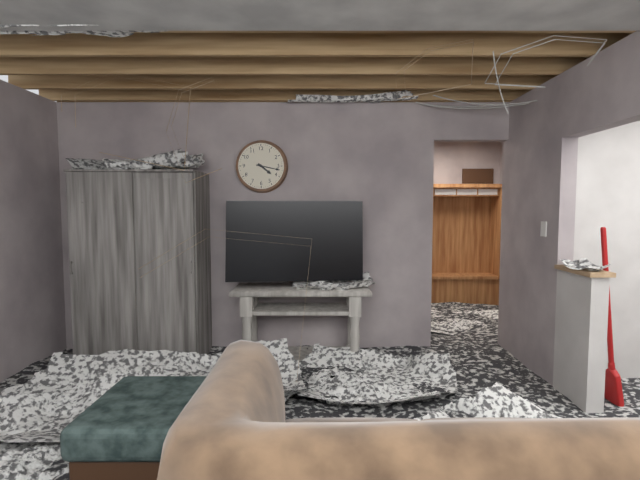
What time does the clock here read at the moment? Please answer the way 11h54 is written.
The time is 4h17
